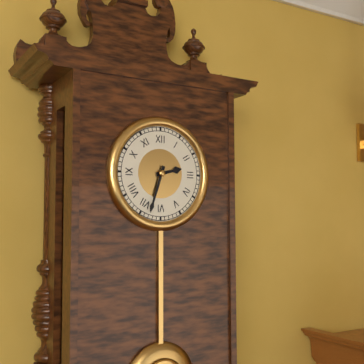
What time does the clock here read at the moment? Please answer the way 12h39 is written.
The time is 2h33
